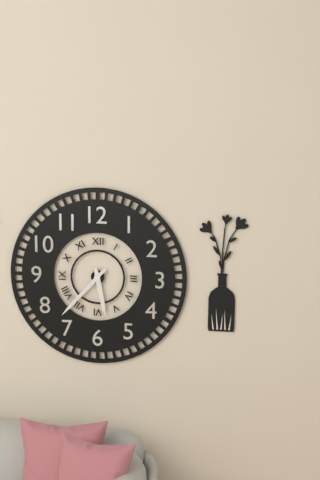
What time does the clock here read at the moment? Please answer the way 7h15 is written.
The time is 5h37
